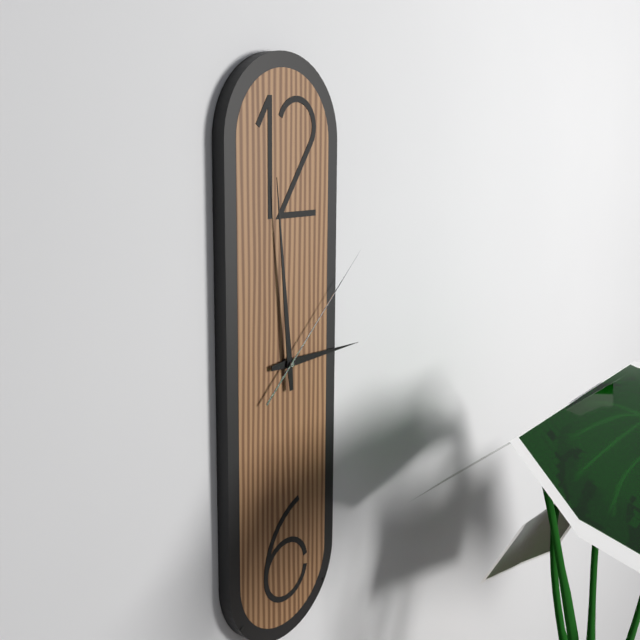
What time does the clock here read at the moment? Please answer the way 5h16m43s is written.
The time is 2h59m08s
